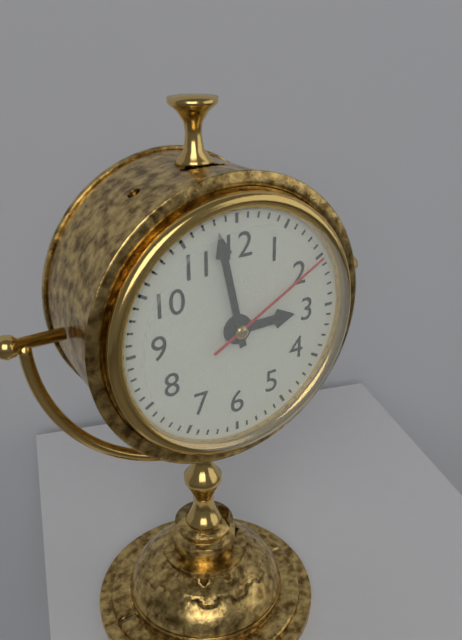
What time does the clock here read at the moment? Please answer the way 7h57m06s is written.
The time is 2h58m10s
